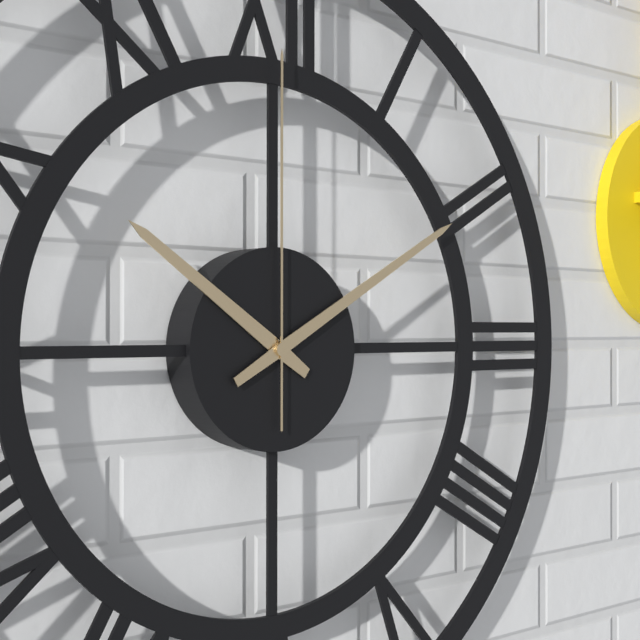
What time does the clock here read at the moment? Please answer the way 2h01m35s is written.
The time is 10h10m00s
